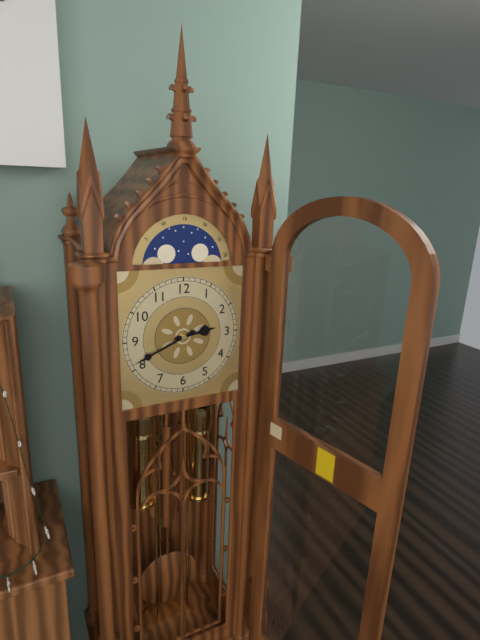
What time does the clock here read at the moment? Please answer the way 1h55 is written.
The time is 2h41
